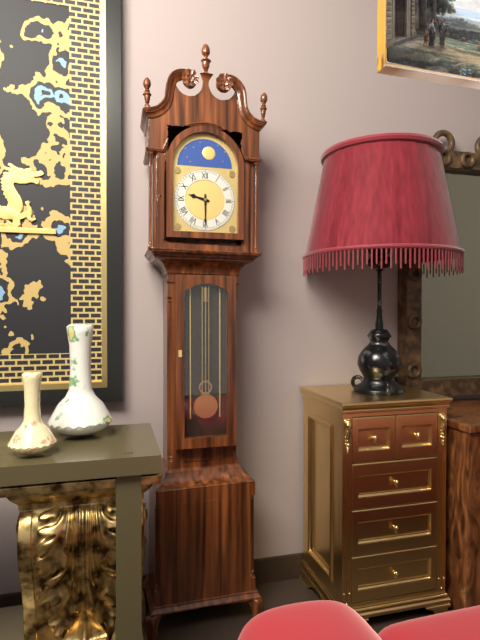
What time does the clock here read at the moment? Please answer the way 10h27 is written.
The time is 9h30
